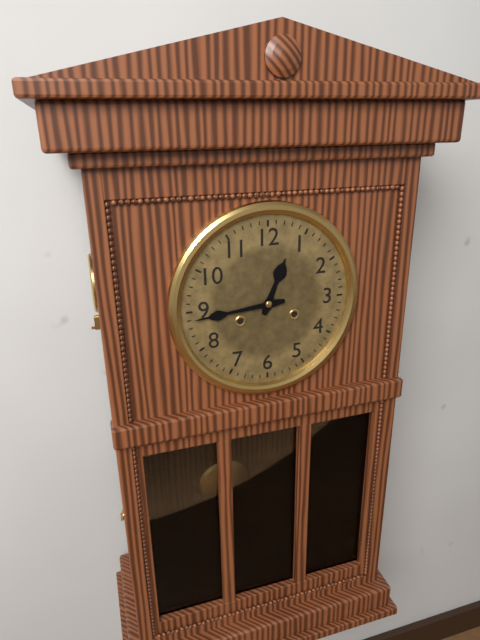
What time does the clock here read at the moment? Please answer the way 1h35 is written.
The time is 12h44
